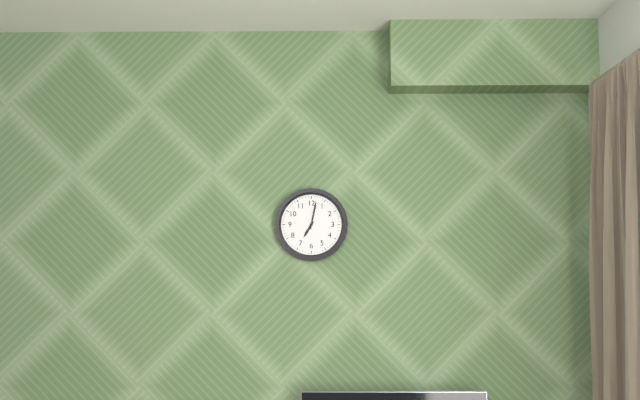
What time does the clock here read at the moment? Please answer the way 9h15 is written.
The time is 7h02
